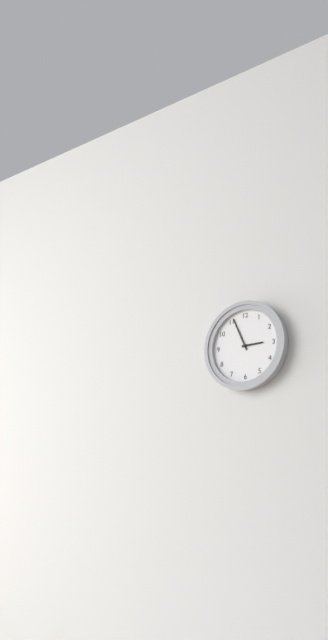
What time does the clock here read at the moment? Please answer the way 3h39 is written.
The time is 2h56
